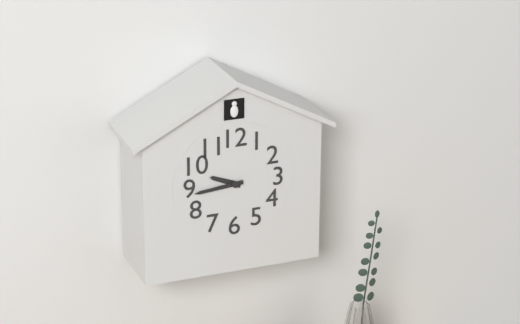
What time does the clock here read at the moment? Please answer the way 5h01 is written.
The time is 9h44
